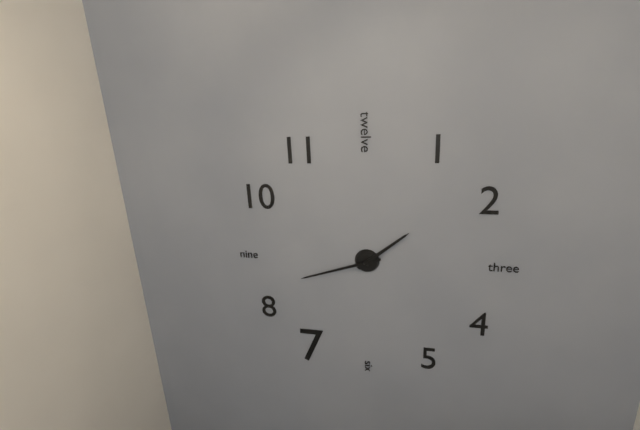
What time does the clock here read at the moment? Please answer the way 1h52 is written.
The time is 1h42
